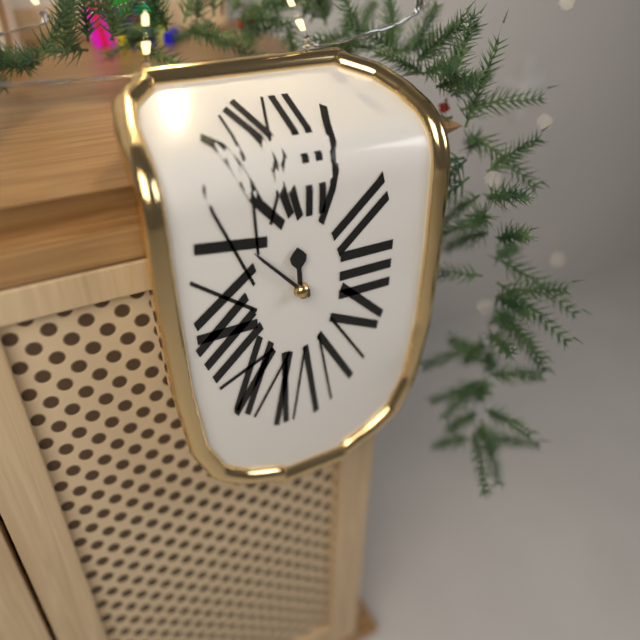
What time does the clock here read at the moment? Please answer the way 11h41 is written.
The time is 11h53
